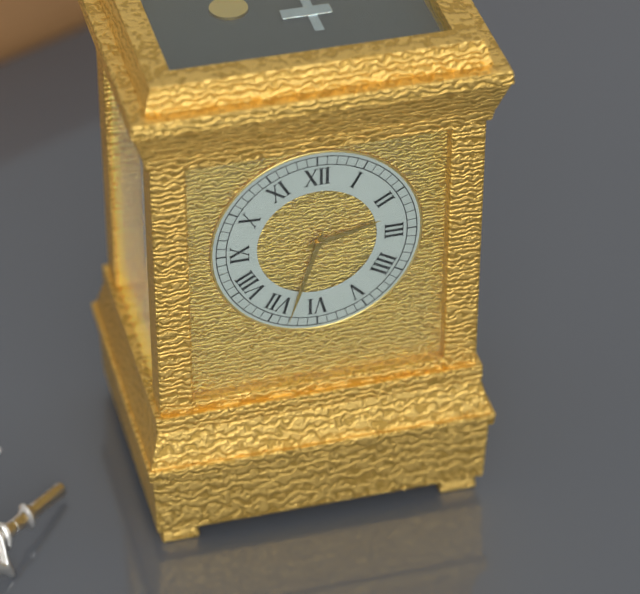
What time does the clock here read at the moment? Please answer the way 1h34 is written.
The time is 2h33
